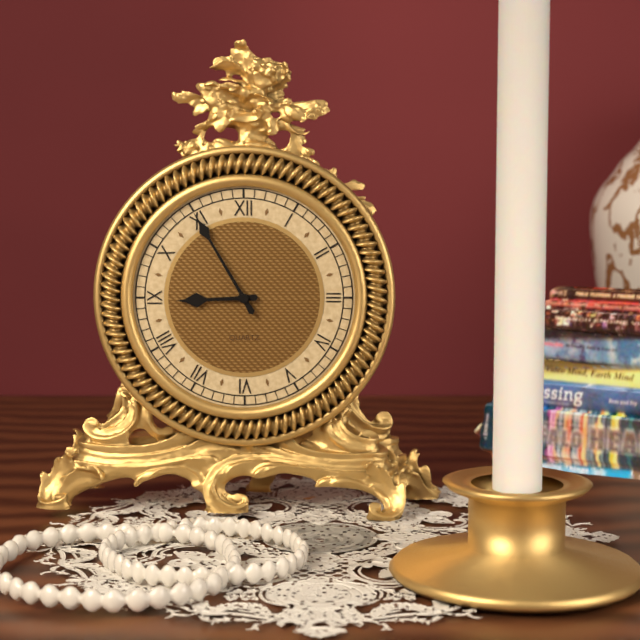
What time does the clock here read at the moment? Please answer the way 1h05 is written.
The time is 8h55
